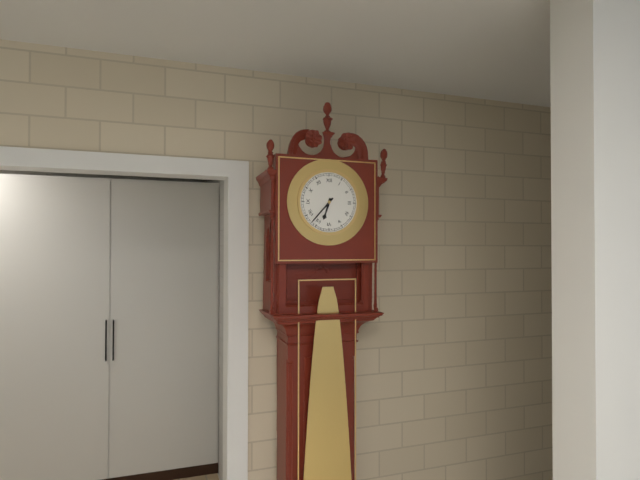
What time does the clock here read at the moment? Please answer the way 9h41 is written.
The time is 6h37
